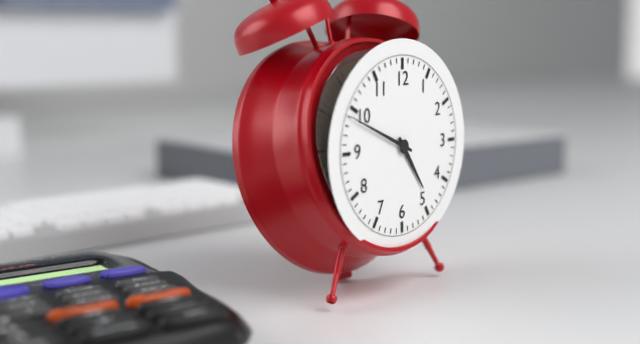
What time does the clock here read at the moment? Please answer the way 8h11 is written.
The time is 4h49
